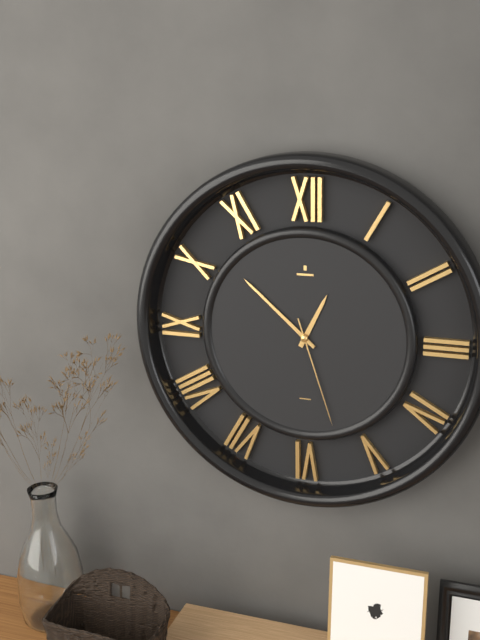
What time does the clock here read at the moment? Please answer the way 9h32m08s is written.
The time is 12h52m27s
